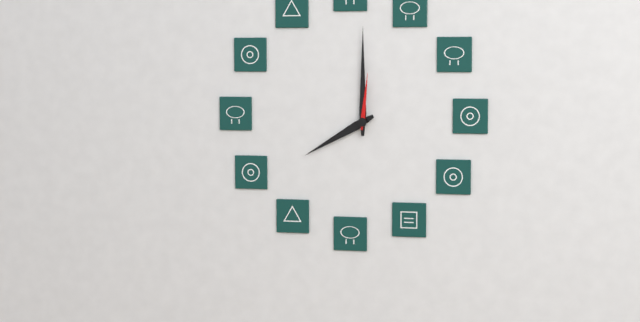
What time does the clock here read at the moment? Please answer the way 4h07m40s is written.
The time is 8h00m01s
